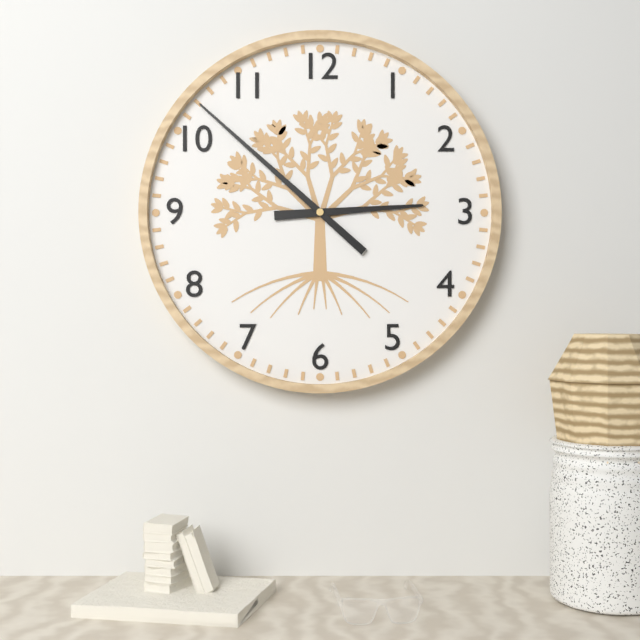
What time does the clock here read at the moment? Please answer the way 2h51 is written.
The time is 2h52
